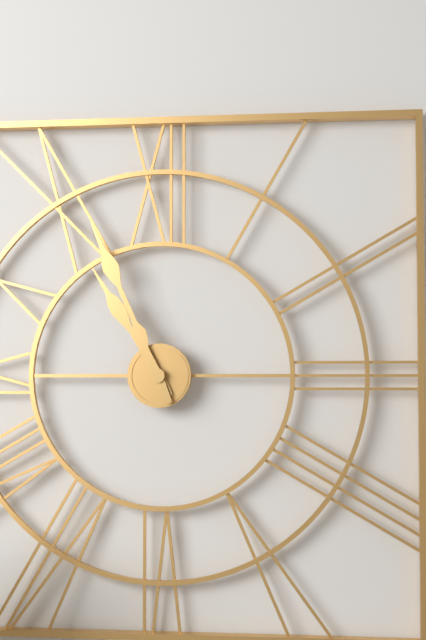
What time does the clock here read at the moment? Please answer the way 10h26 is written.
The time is 10h56
